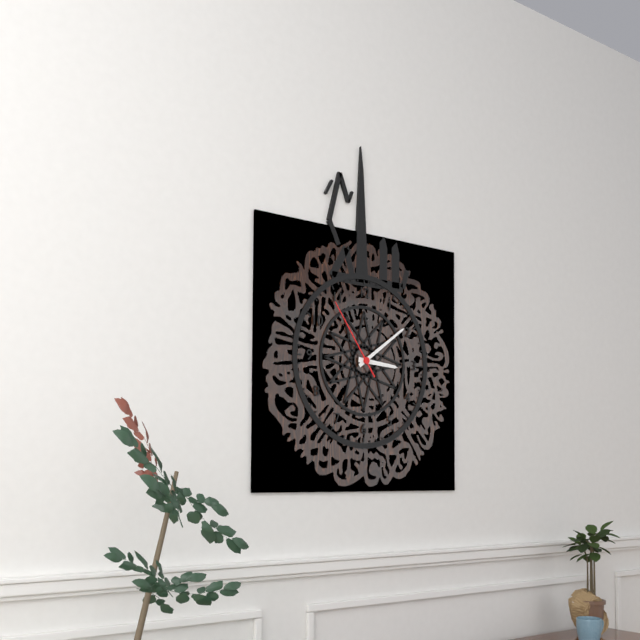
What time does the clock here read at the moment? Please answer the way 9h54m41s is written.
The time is 3h09m54s
